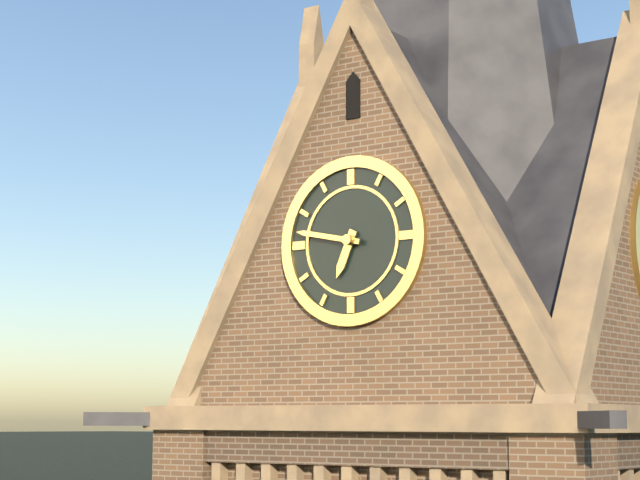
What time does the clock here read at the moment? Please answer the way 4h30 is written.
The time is 6h47
